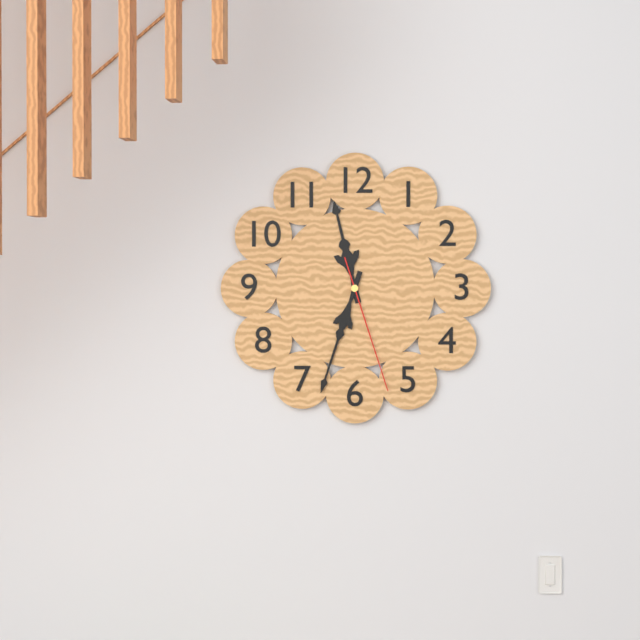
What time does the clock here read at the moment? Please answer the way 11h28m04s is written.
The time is 11h33m27s
